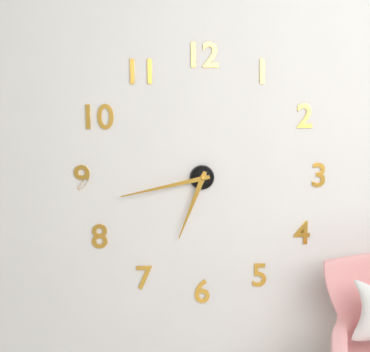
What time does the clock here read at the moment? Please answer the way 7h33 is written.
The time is 6h43
